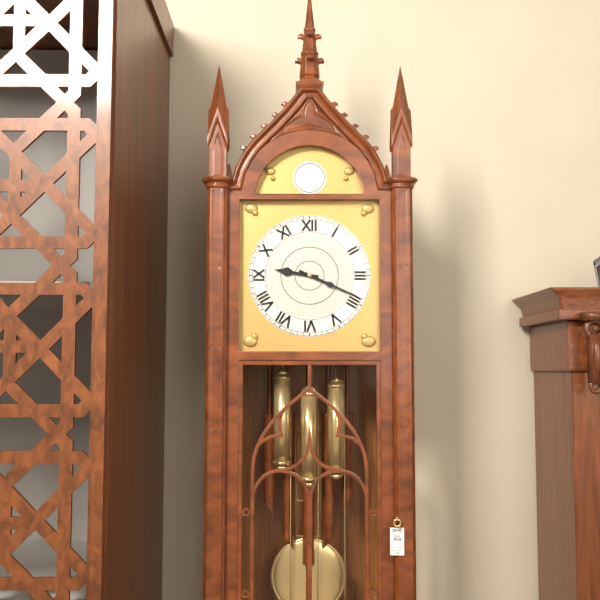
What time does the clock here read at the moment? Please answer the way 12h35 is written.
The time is 9h19
